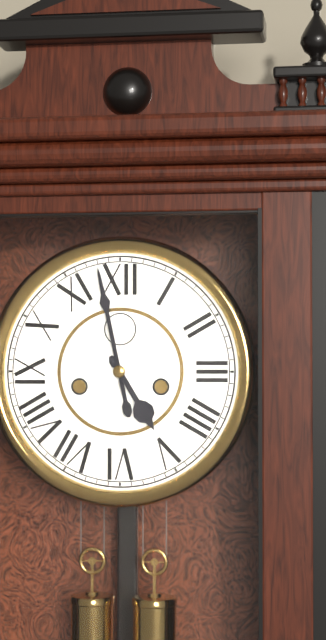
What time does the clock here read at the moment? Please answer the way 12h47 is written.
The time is 4h58
